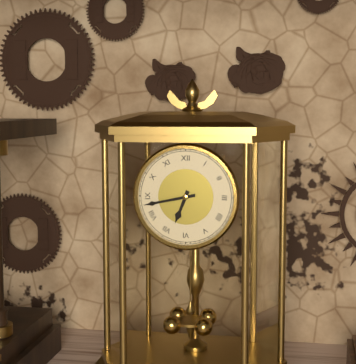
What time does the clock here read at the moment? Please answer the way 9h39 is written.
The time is 6h43
